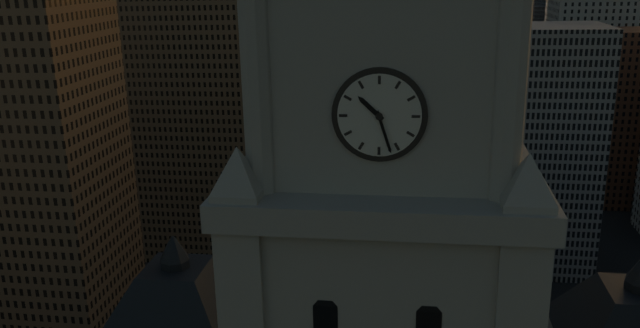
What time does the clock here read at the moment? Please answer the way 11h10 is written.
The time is 10h27
